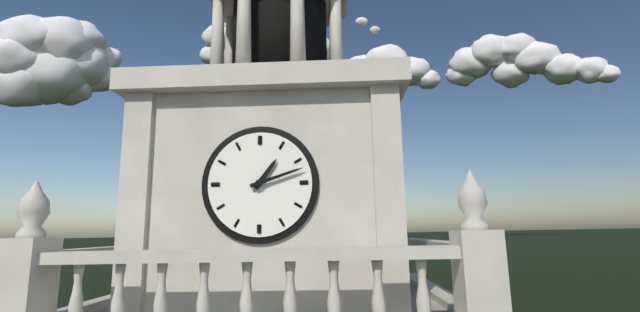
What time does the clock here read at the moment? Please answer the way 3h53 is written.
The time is 1h12
